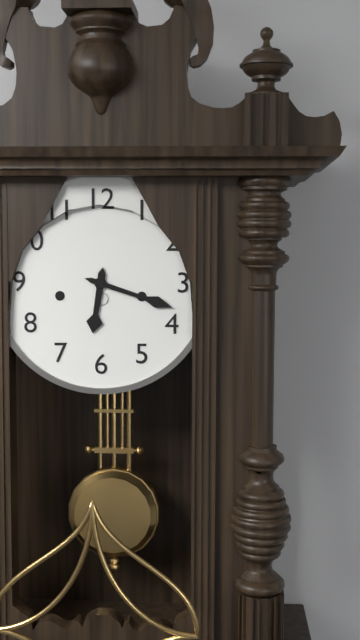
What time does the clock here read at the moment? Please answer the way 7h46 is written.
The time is 6h18
